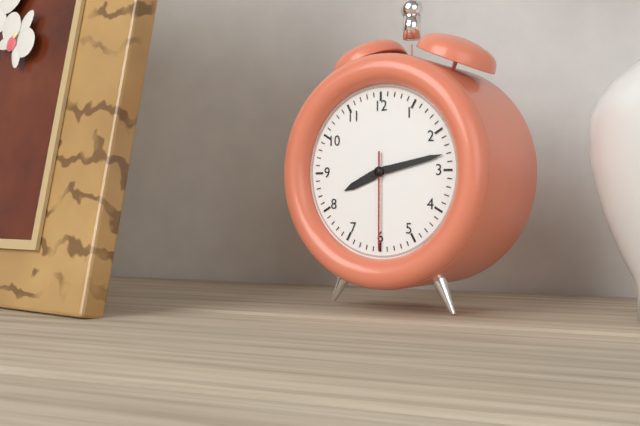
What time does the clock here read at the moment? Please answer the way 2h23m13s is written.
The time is 8h13m30s
